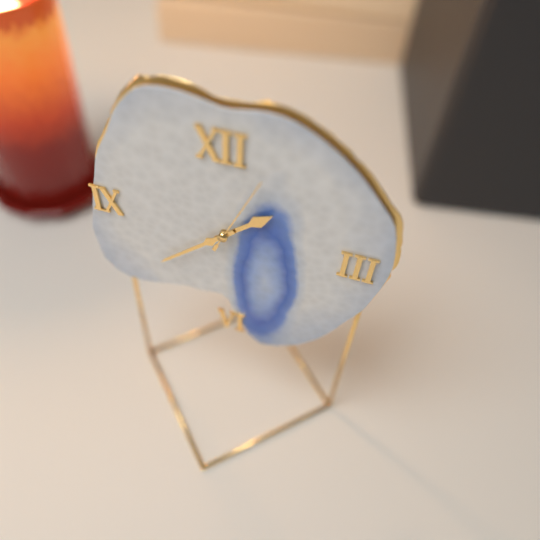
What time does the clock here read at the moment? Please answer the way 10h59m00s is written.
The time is 1h38m04s
